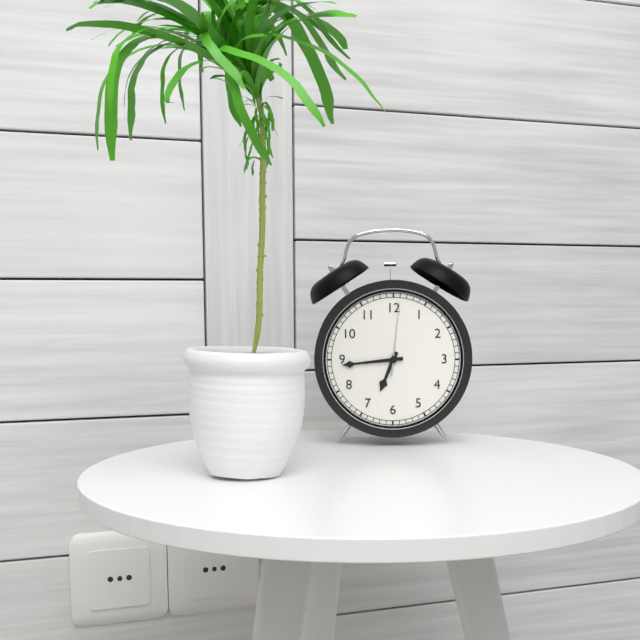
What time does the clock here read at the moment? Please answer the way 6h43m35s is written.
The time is 6h44m01s
